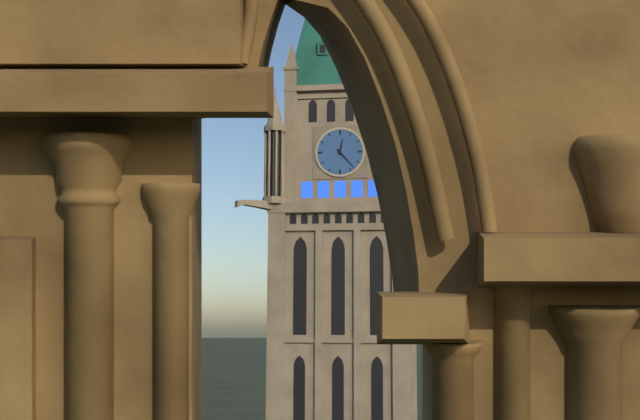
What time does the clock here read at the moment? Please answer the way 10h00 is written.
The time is 12h23
